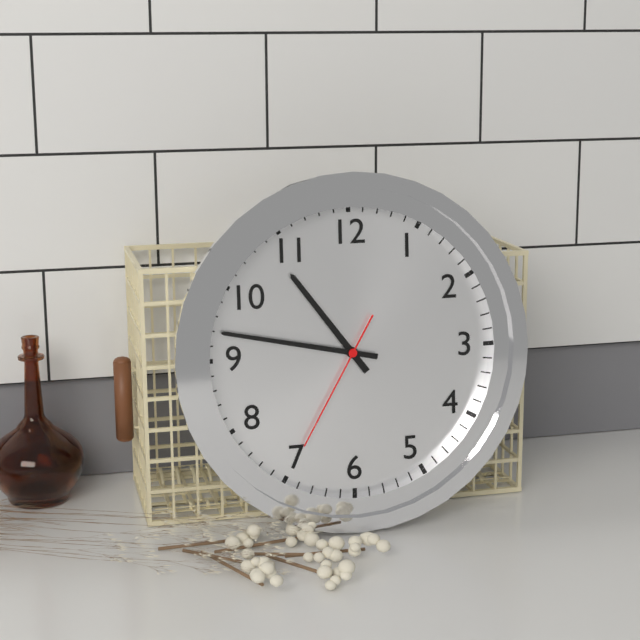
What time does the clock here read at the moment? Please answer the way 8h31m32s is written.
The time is 10h47m35s
